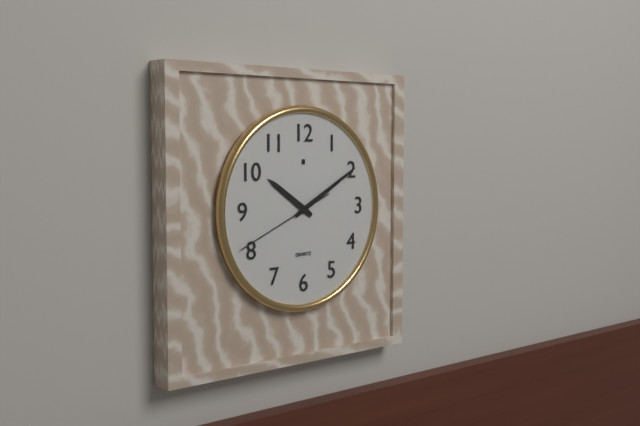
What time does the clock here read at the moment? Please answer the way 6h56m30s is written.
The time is 10h10m41s
